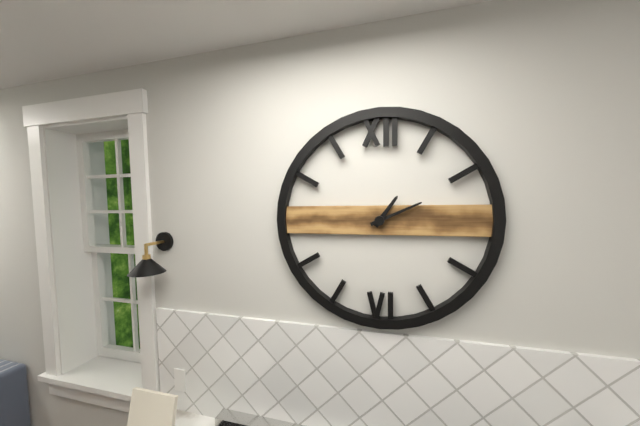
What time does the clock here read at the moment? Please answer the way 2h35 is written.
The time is 1h11
